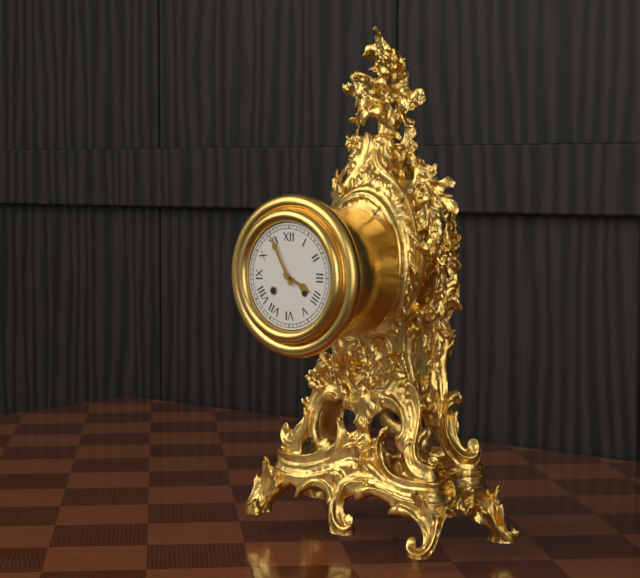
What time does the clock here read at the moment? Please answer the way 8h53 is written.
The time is 3h55
